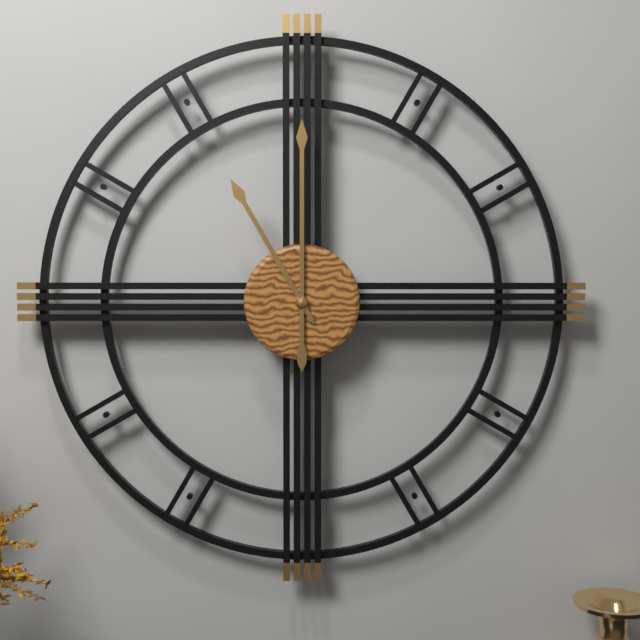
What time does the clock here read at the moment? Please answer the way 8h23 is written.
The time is 11h00
